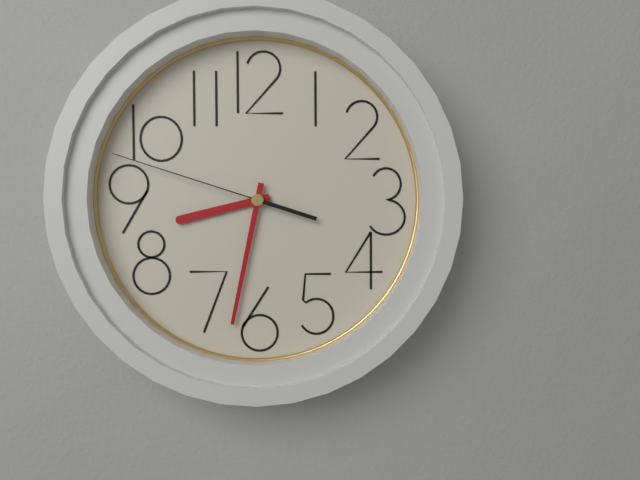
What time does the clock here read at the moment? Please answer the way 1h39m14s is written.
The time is 8h32m48s
